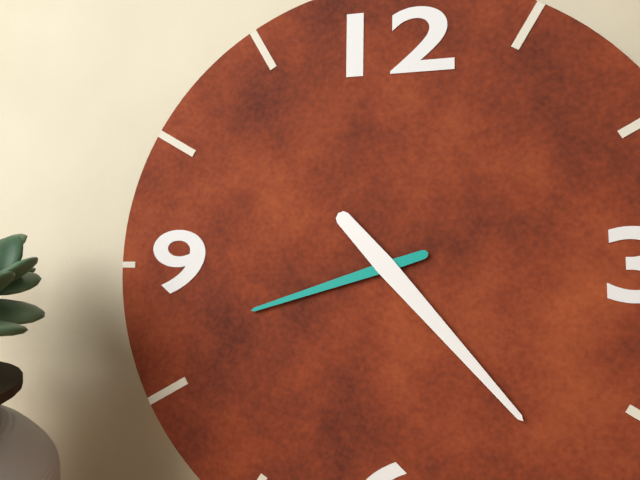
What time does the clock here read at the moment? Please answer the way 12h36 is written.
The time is 8h23
